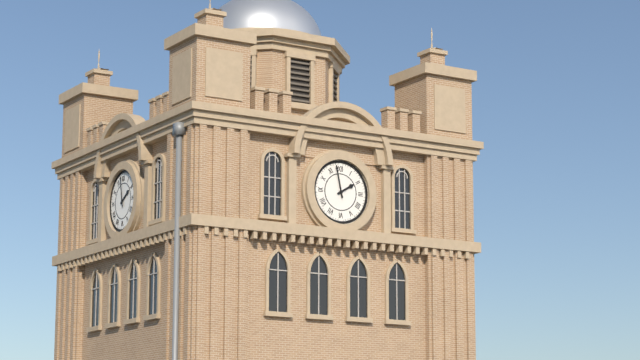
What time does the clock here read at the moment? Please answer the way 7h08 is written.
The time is 1h58
